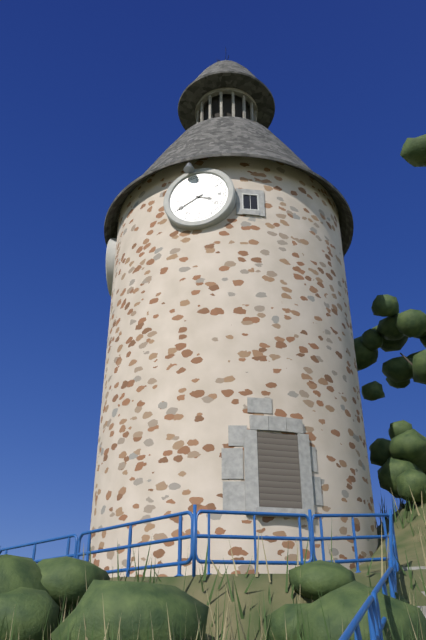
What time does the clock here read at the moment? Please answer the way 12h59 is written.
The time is 3h40
